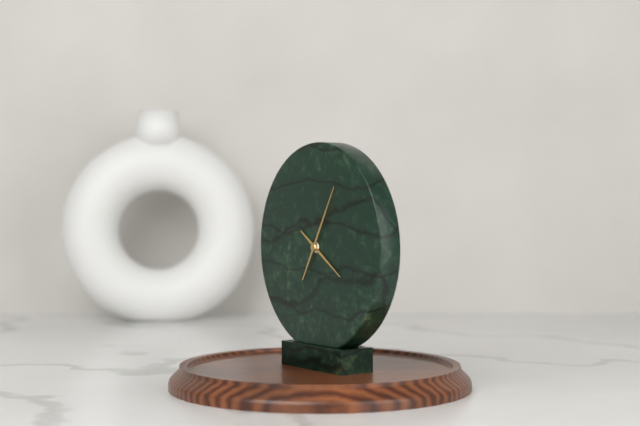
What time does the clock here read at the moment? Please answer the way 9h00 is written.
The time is 4h05
